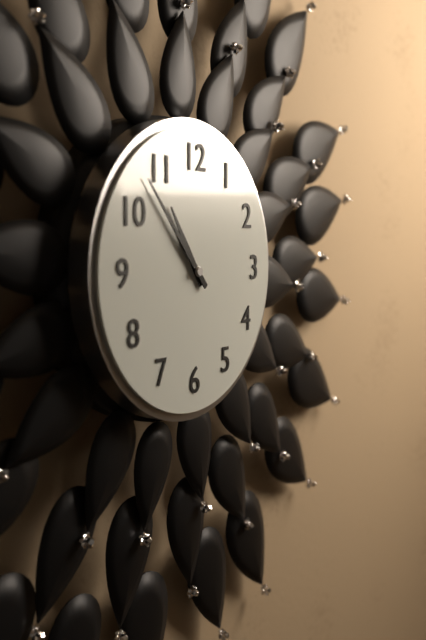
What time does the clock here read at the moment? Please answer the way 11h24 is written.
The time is 10h53
